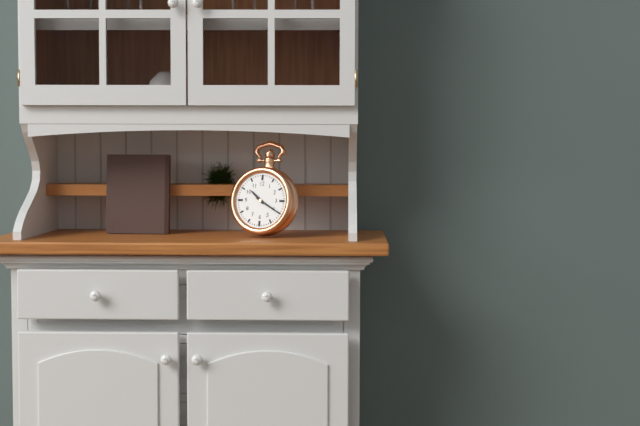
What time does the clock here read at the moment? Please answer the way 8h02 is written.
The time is 10h20
